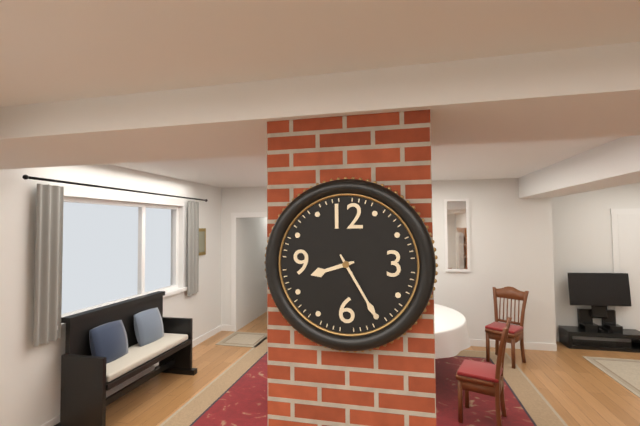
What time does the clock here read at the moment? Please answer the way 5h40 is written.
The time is 8h25
